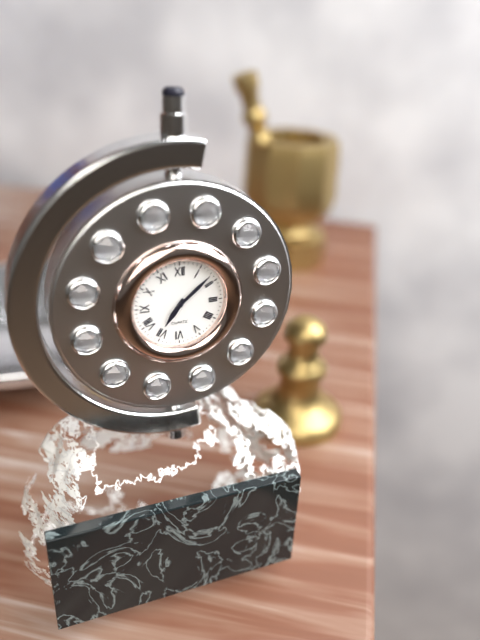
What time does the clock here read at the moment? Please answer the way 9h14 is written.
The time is 7h08
